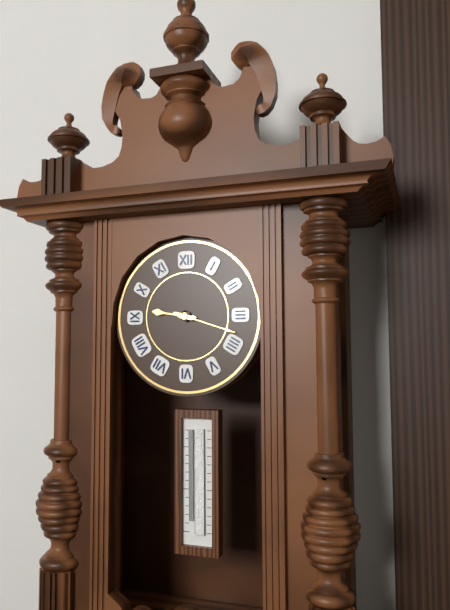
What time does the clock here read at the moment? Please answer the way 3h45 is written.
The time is 9h18
